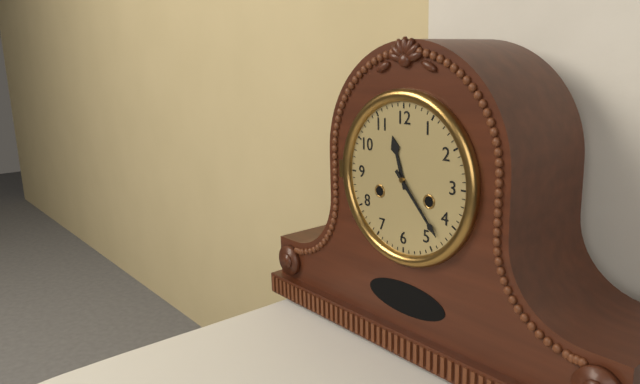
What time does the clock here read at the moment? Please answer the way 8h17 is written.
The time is 11h23
